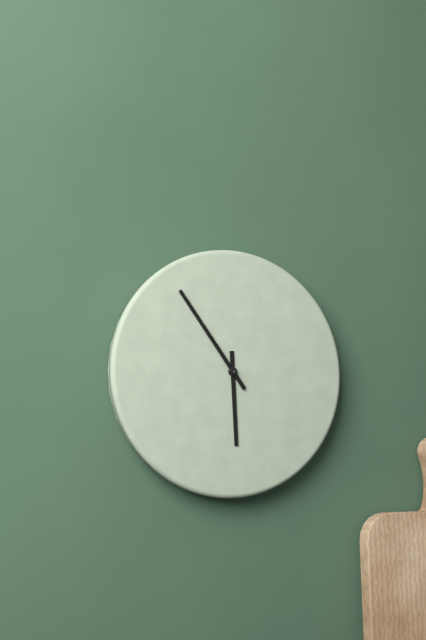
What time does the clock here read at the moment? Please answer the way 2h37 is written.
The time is 5h54
